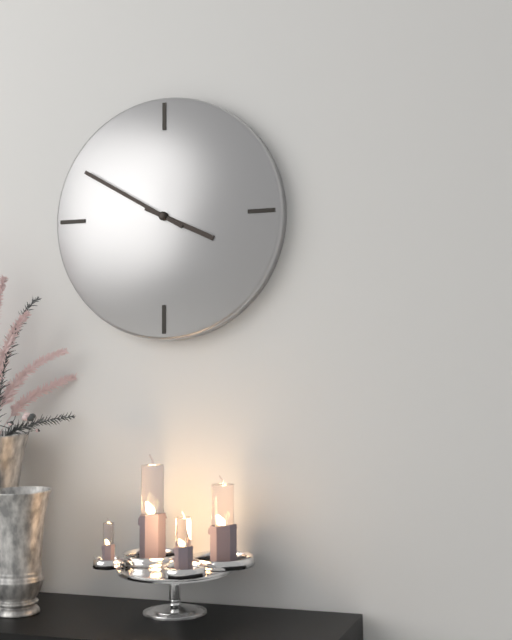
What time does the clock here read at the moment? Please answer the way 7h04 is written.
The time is 3h50
